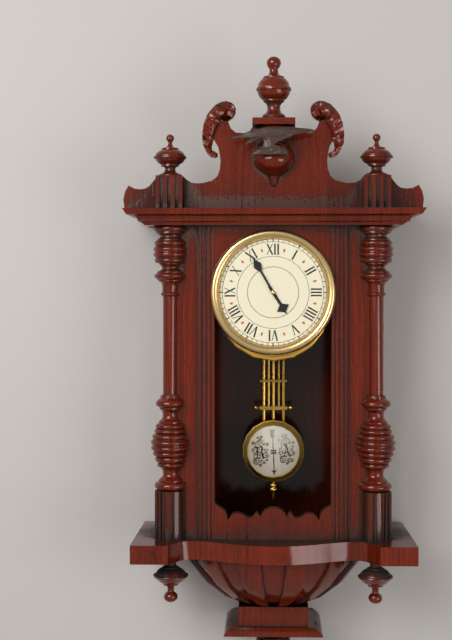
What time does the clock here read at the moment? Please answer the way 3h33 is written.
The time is 4h55
